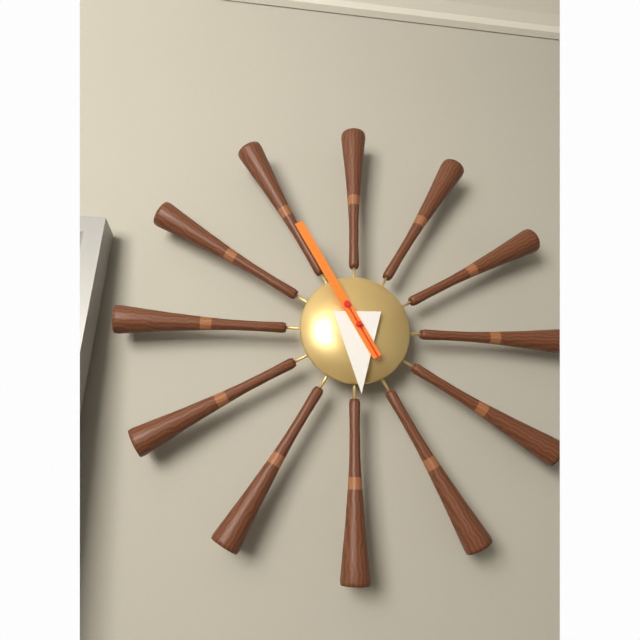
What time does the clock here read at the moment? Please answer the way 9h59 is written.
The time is 5h55
